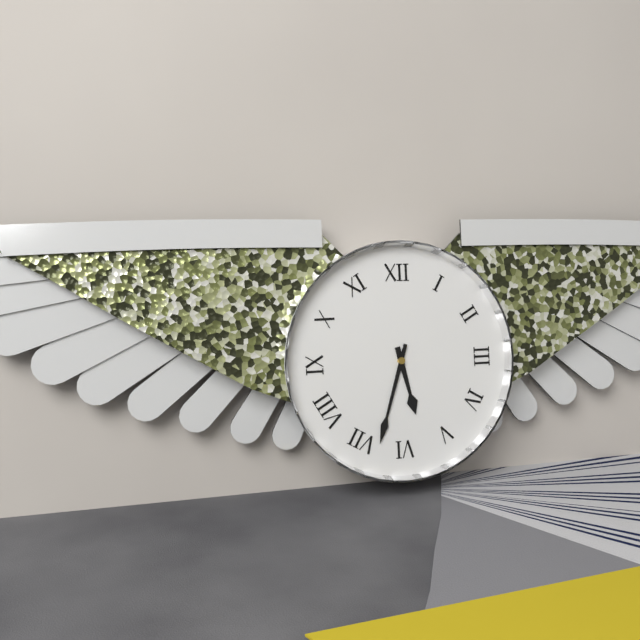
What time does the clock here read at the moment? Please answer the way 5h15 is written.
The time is 5h33
